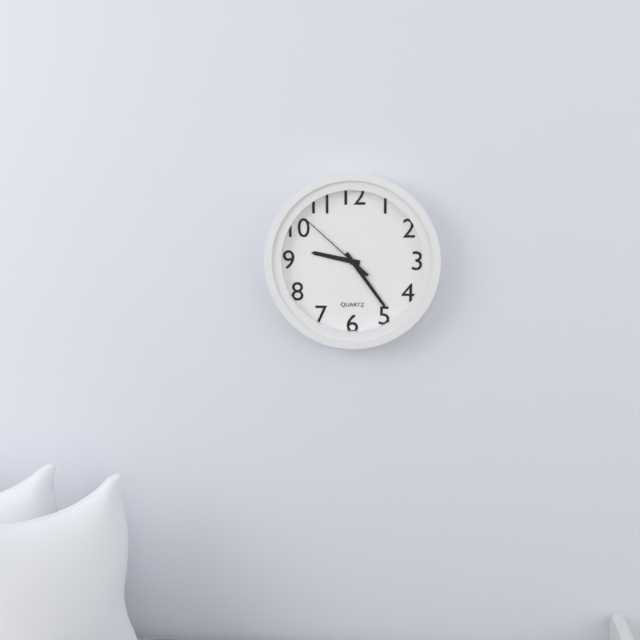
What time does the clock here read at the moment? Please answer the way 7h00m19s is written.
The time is 9h24m52s
